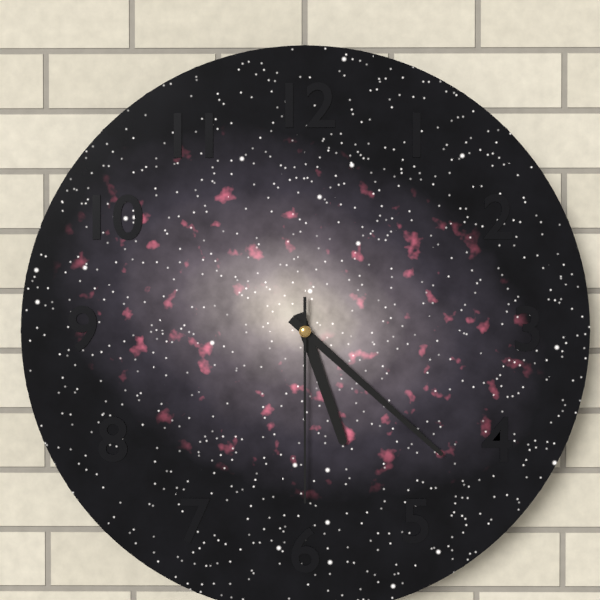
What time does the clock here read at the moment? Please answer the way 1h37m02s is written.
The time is 5h22m30s
